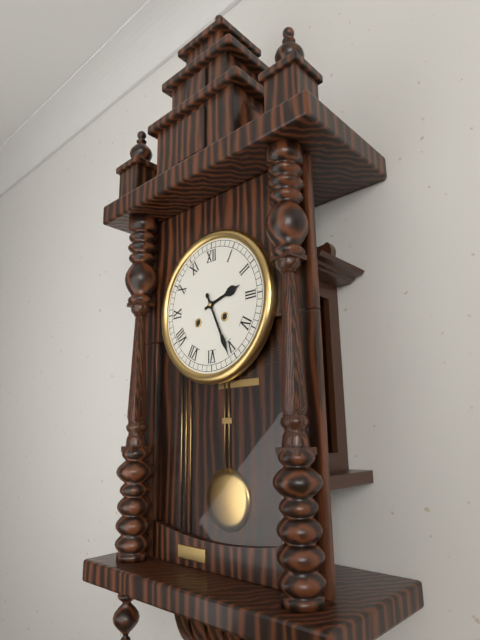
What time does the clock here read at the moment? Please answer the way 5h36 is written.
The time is 2h26
